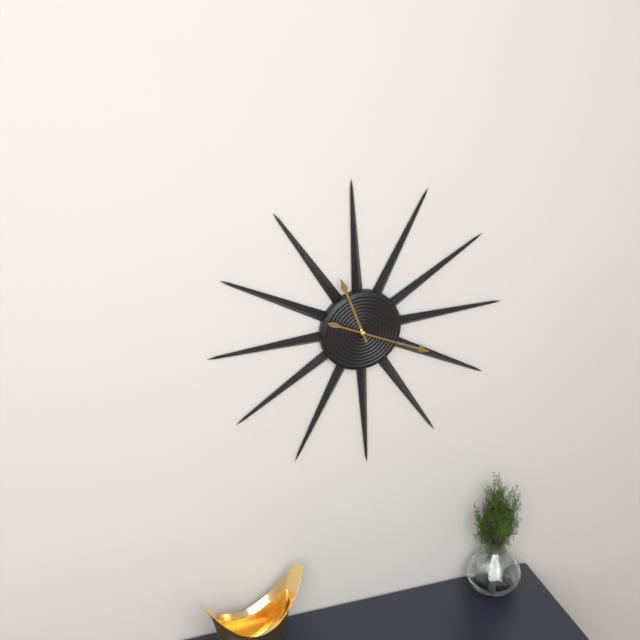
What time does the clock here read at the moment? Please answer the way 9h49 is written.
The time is 11h19
